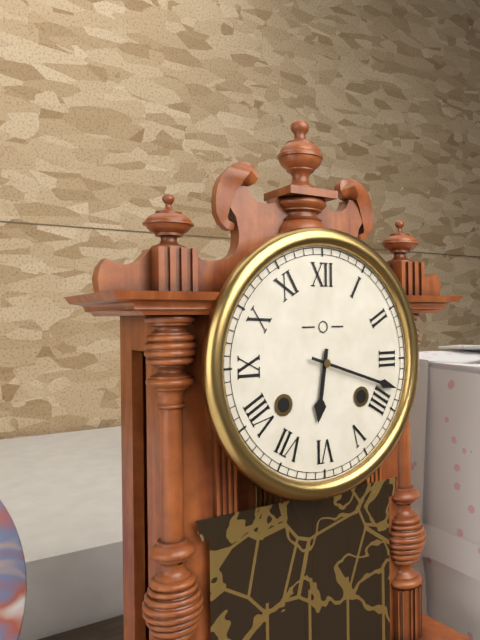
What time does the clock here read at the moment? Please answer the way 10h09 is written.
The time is 6h18
